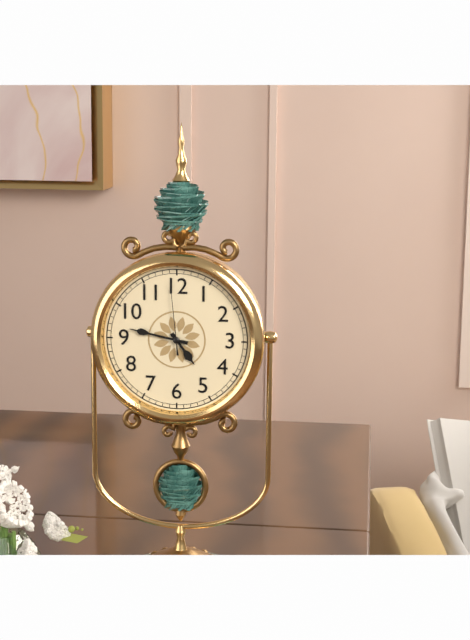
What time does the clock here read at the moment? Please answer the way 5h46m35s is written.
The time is 4h47m59s
